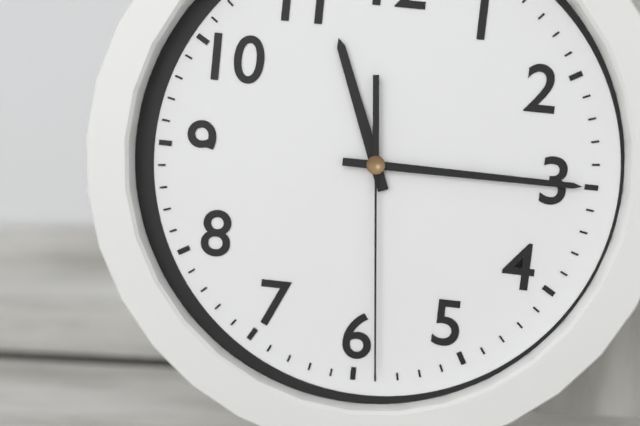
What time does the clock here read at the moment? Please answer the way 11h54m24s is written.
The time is 11h15m29s
